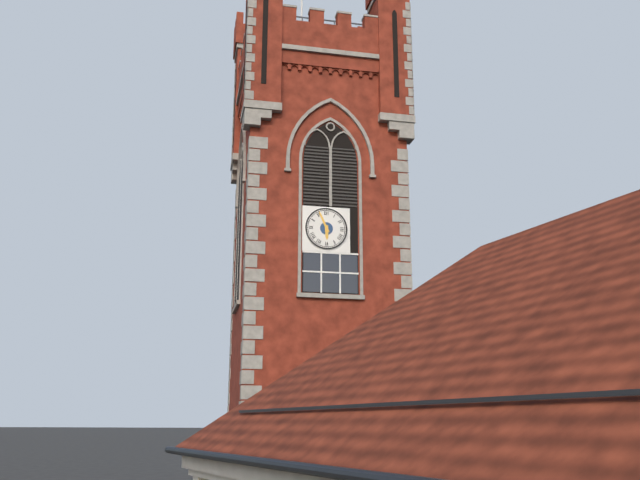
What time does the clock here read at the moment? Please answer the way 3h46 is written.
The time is 5h56
